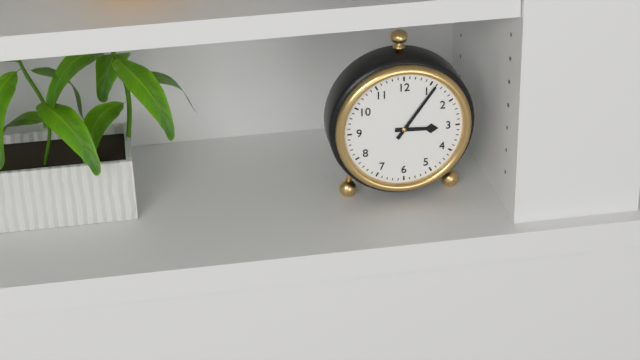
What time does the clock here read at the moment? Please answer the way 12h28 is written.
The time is 3h06
